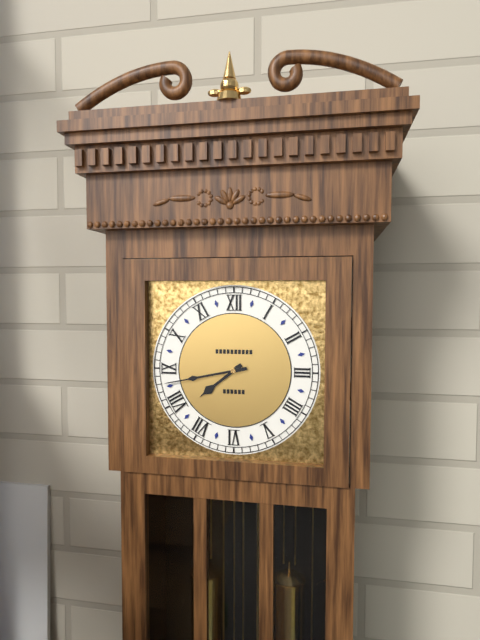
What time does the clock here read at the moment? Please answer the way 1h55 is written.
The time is 7h43
